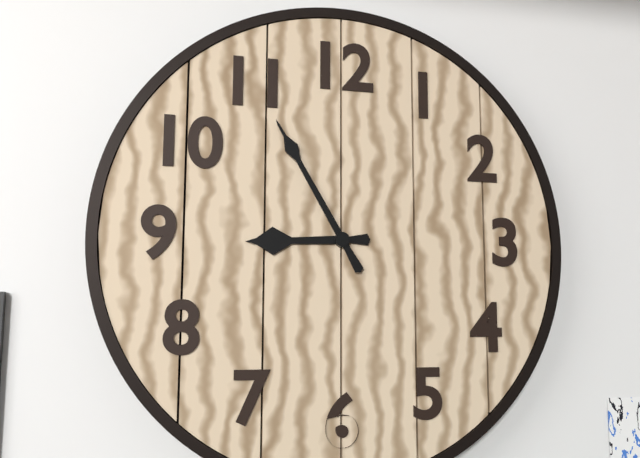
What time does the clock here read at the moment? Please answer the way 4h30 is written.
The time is 8h55
